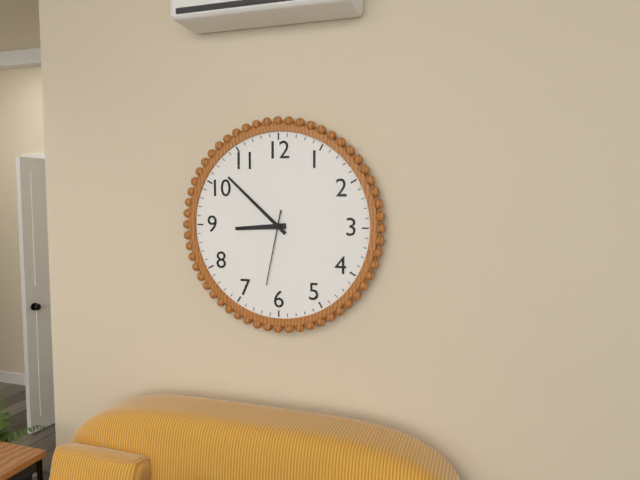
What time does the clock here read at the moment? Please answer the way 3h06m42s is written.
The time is 8h52m32s
